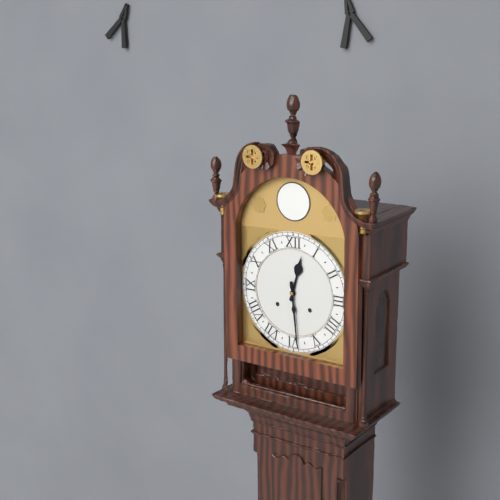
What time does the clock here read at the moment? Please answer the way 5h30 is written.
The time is 12h29
